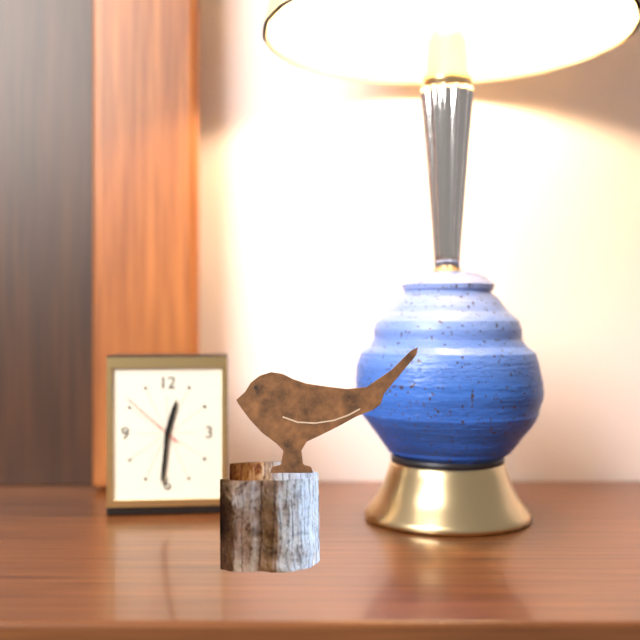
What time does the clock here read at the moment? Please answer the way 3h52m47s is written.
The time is 12h31m52s
